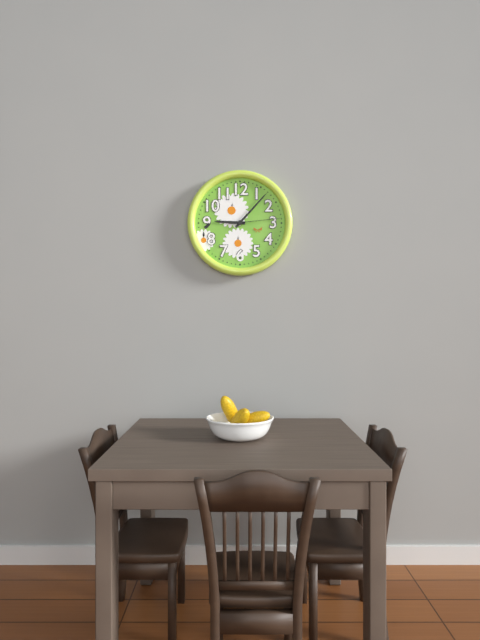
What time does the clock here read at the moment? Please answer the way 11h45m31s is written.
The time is 9h07m14s
